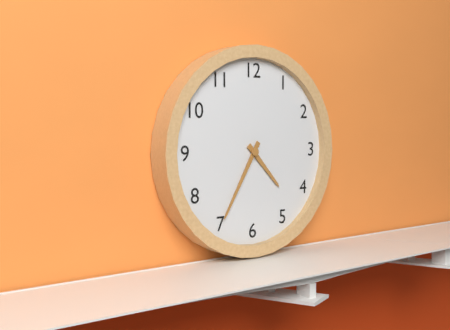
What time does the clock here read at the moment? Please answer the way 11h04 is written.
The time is 4h35
